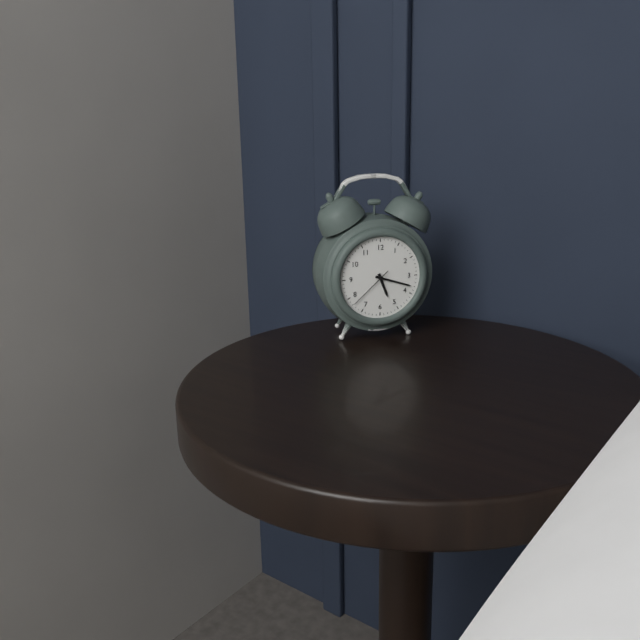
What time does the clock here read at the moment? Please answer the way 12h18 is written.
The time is 5h18
